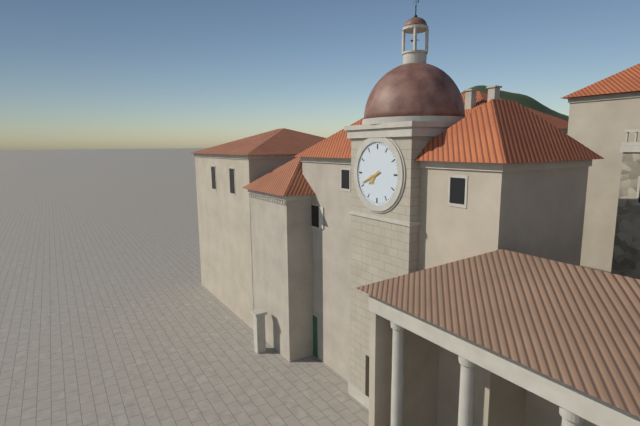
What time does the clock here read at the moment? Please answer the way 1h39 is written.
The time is 7h41
